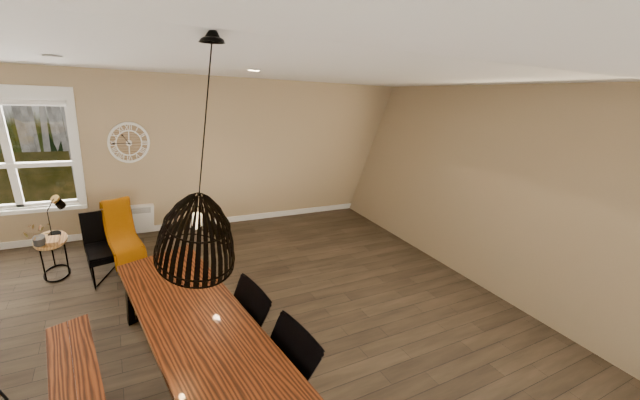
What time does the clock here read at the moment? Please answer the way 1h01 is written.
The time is 10h45
